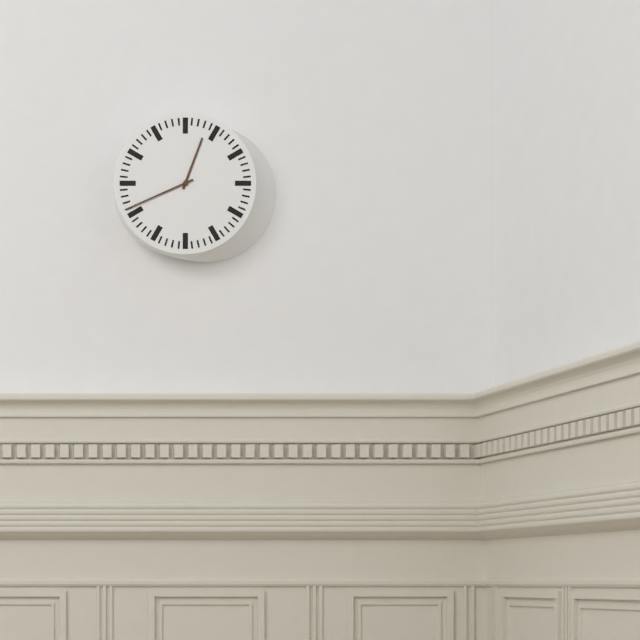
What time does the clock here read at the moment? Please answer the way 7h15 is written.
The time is 12h41
